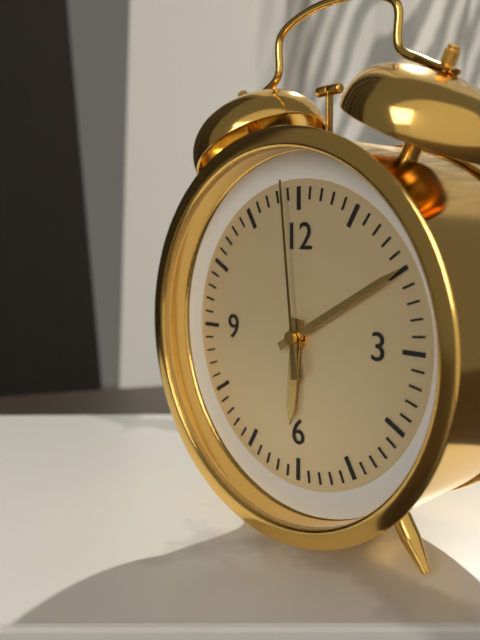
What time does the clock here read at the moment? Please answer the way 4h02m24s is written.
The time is 6h10m59s
